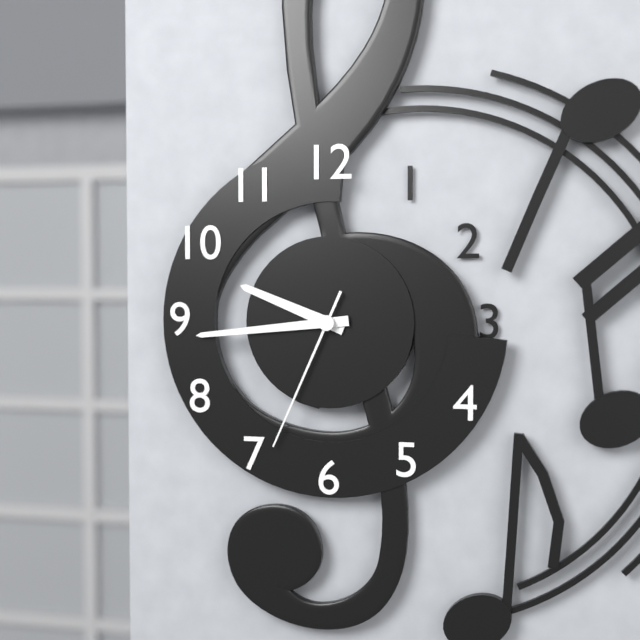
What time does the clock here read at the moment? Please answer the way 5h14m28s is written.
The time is 9h44m34s
